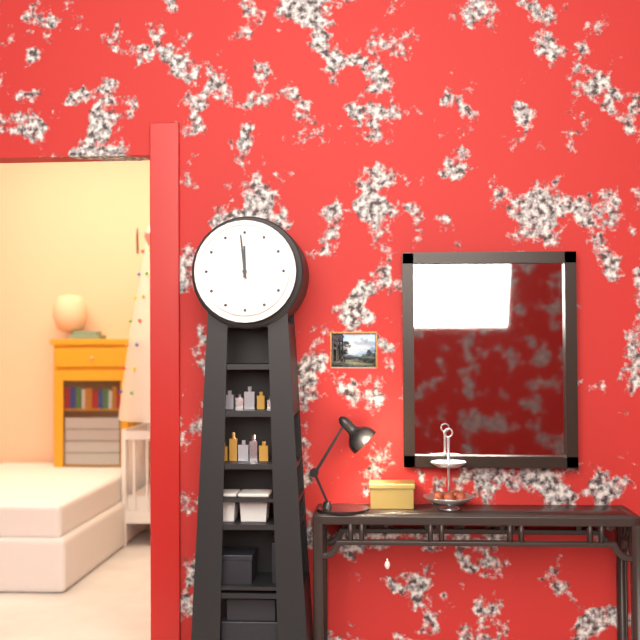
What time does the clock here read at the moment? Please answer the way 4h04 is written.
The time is 11h59
